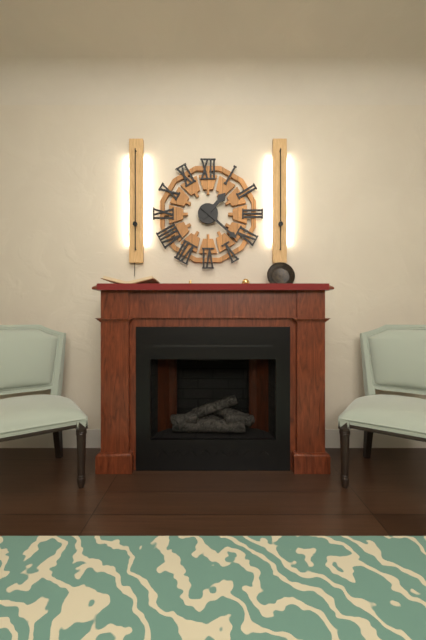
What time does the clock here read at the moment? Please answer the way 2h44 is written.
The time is 1h22
